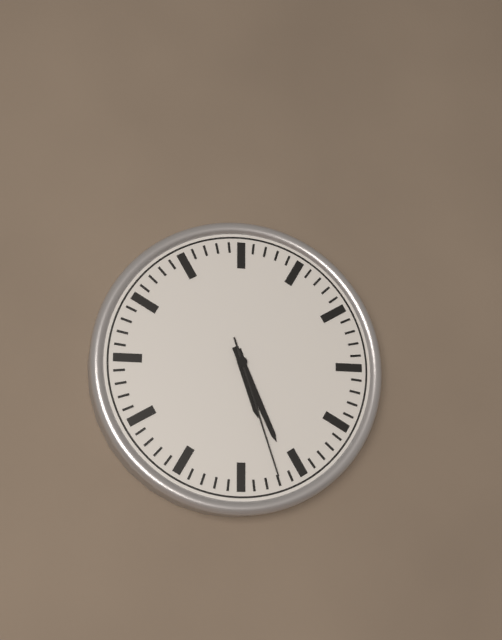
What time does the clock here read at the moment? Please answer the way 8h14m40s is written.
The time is 5h26m27s
